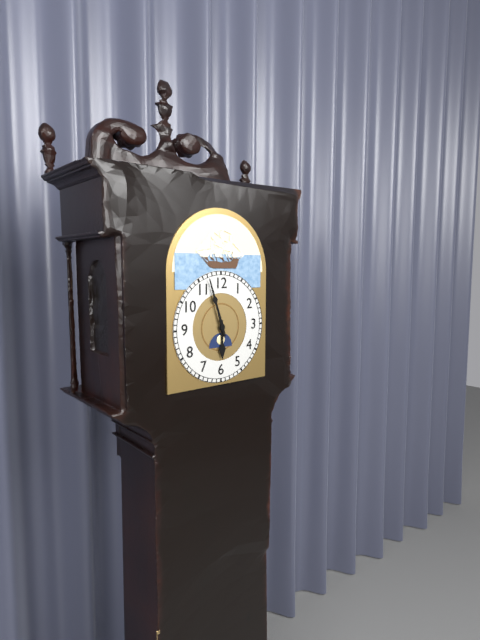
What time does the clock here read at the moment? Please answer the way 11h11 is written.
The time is 5h57
